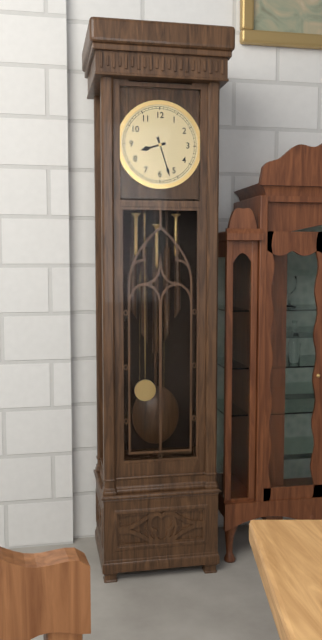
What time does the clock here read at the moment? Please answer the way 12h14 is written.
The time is 8h27
